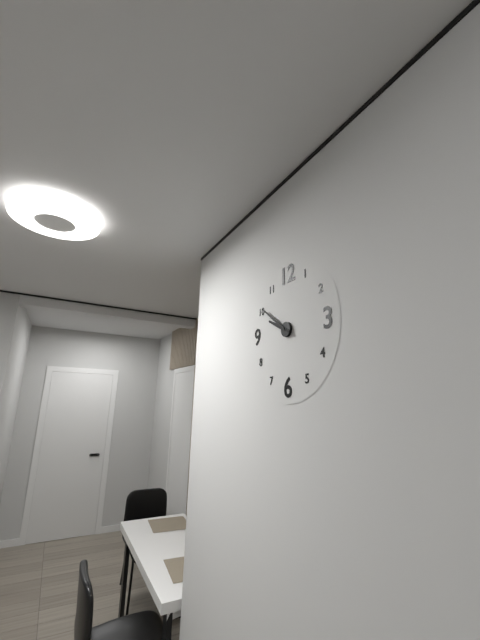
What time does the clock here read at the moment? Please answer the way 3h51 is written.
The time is 9h51
